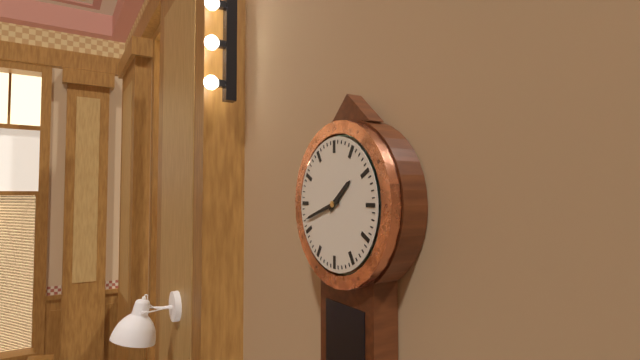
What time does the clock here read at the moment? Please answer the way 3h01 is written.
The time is 1h42
